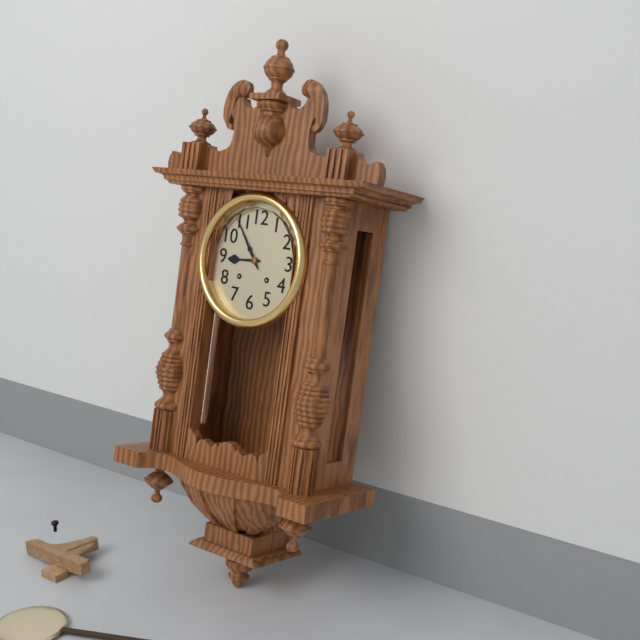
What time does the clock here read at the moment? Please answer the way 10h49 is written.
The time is 8h54
